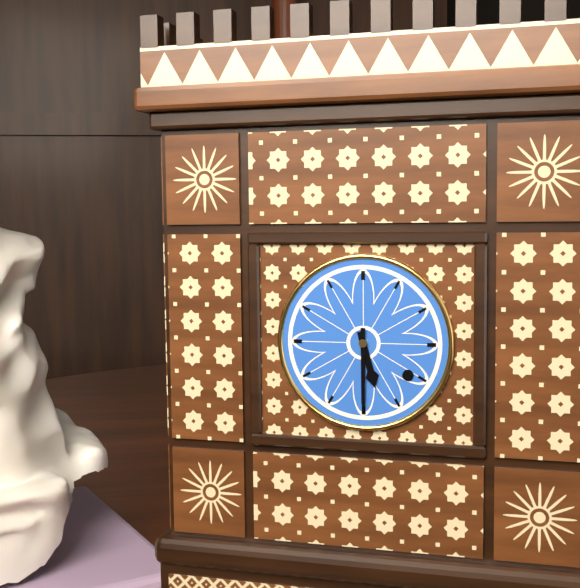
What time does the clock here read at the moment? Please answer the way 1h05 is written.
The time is 5h30
